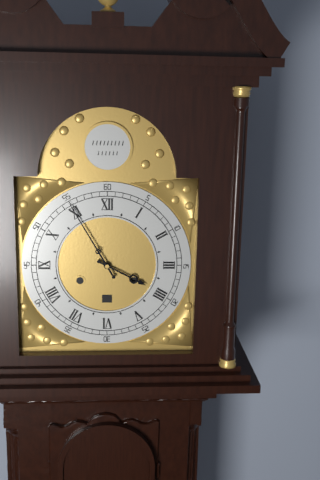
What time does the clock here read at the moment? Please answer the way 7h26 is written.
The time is 3h55
